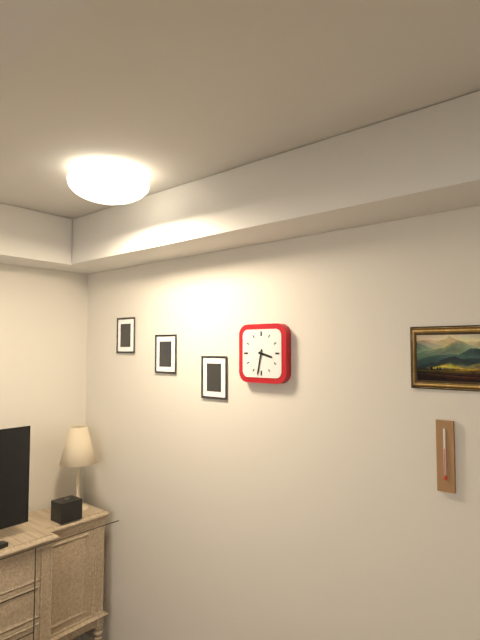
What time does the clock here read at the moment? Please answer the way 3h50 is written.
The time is 3h32
